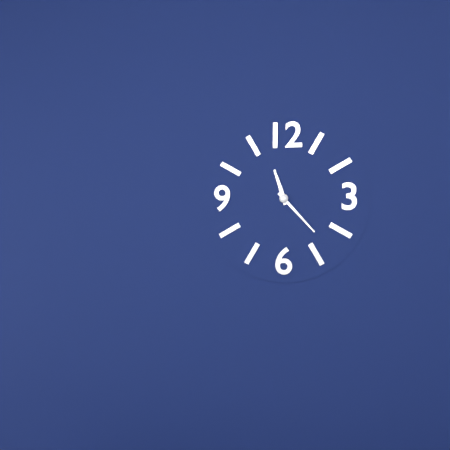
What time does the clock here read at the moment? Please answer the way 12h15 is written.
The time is 11h23
